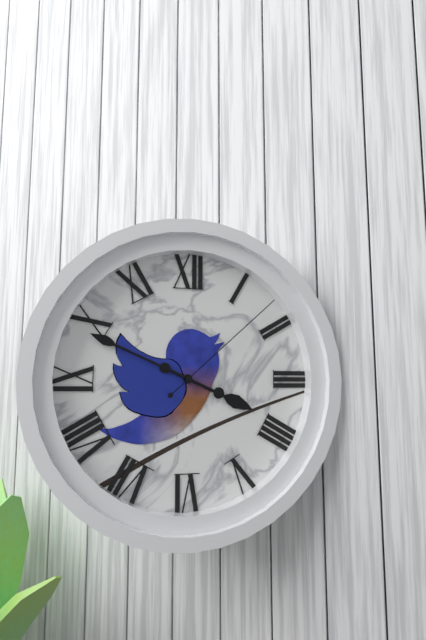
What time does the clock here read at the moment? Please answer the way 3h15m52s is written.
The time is 3h49m08s
